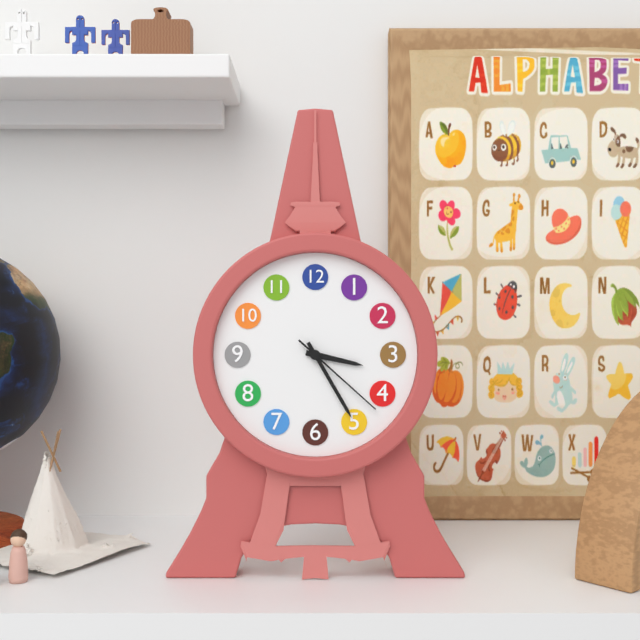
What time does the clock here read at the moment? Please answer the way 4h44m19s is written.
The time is 3h25m22s
